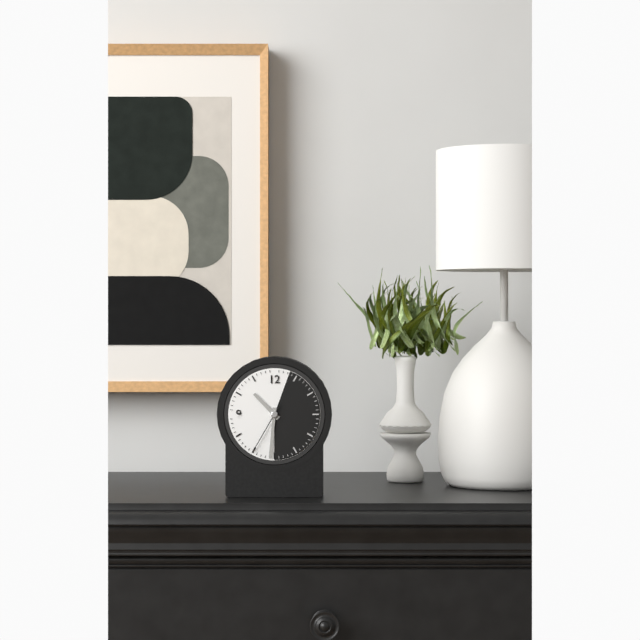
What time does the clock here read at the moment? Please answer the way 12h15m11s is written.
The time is 10h31m35s
